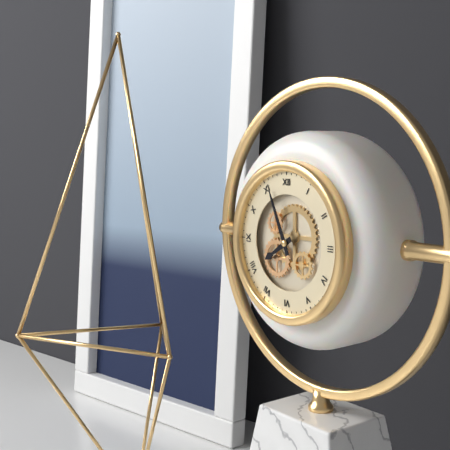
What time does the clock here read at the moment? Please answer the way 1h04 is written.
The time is 7h56
